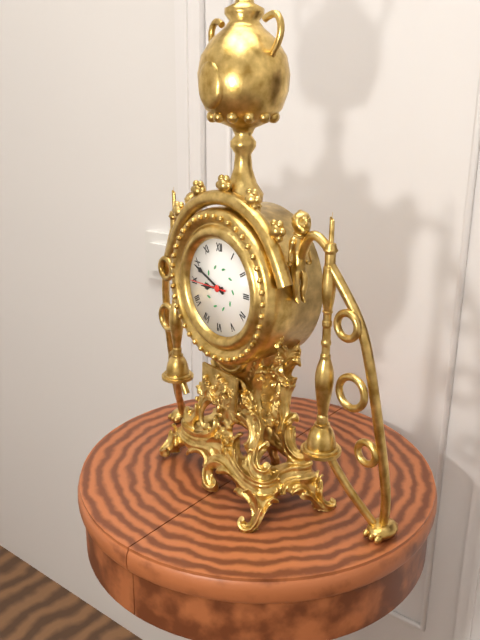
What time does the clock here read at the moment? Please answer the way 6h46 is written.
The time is 8h49
